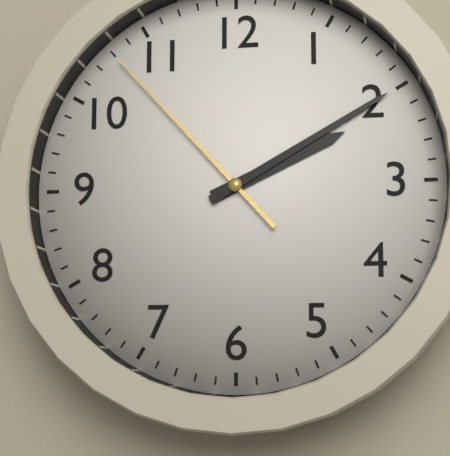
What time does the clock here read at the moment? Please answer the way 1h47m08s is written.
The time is 2h10m53s
